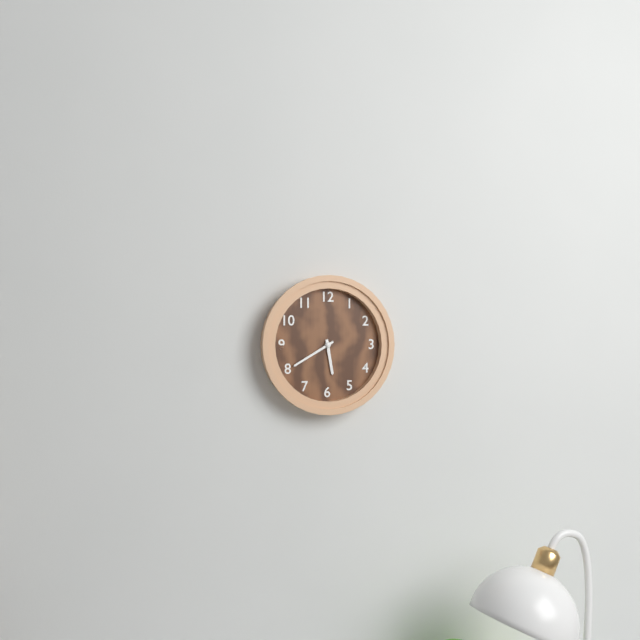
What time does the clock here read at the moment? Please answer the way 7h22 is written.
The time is 5h40
